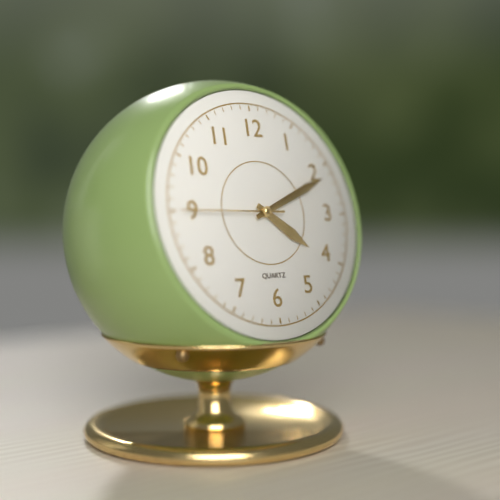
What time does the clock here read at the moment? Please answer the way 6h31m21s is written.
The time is 4h11m45s
